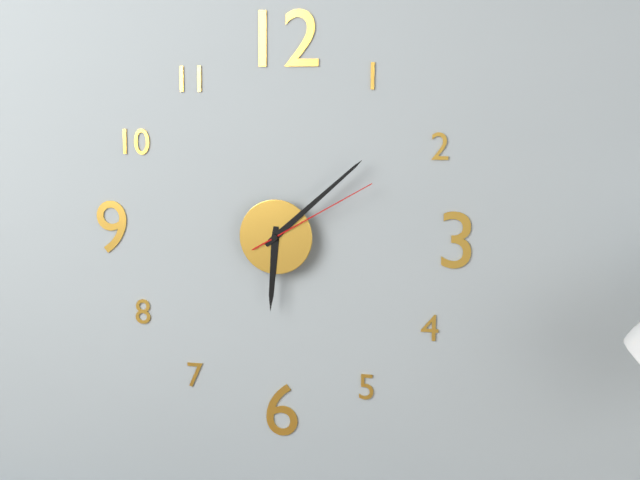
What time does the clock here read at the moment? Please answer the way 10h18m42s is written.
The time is 6h08m10s
